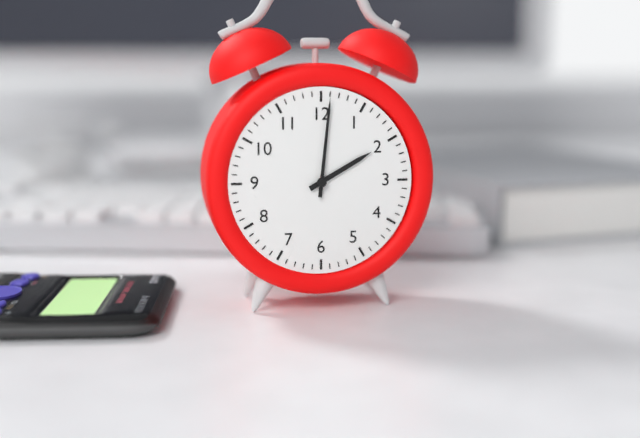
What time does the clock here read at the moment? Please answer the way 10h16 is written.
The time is 2h01
